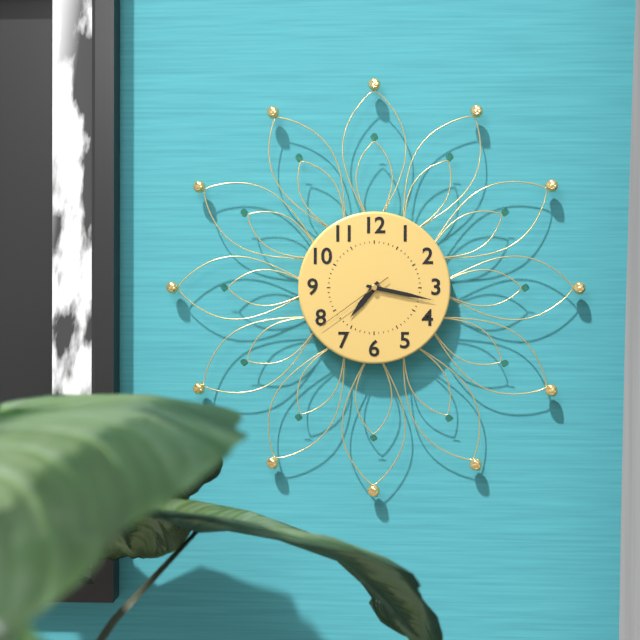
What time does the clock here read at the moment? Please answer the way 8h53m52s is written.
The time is 7h17m39s
